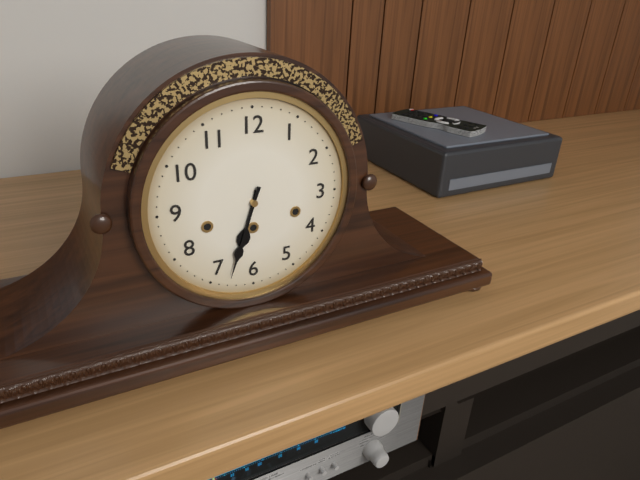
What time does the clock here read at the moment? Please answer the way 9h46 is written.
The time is 6h33
